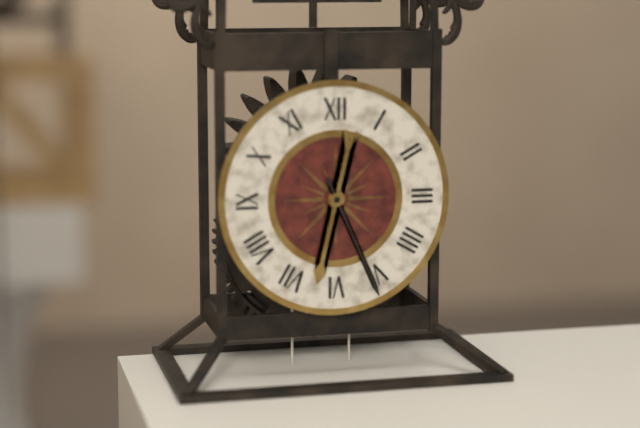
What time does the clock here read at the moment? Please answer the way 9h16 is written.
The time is 6h26
